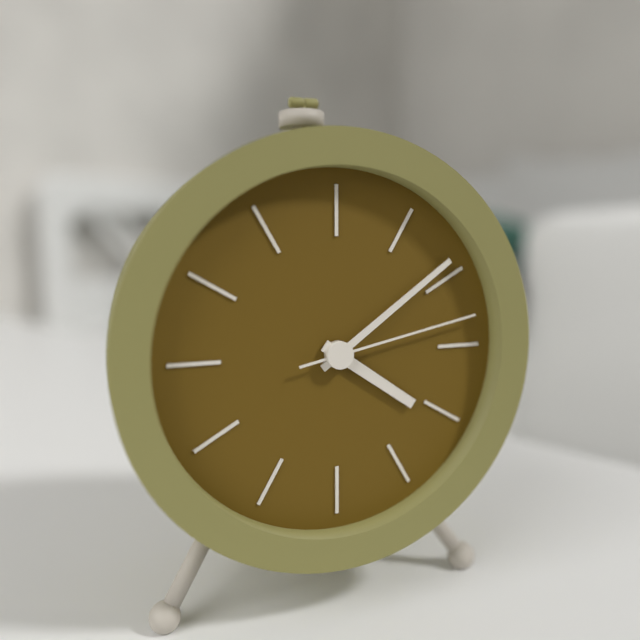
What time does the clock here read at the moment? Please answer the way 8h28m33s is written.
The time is 4h09m13s
